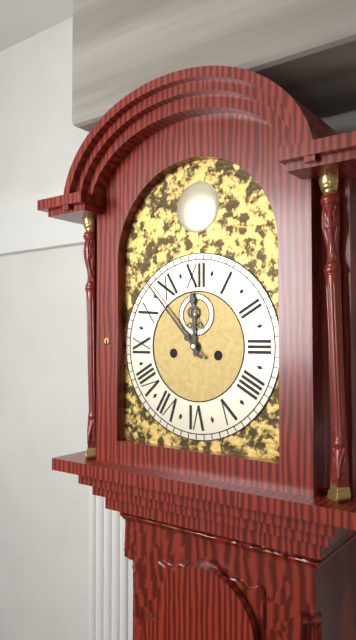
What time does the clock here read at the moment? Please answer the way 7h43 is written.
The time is 11h53
